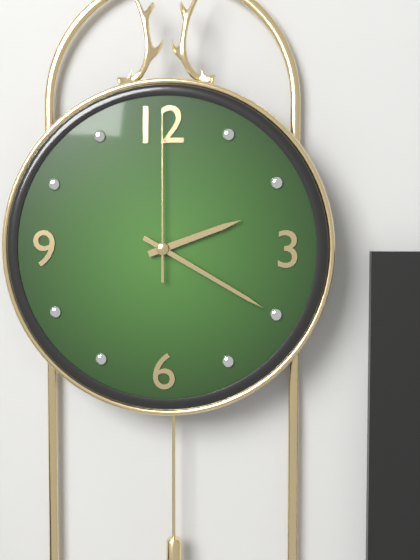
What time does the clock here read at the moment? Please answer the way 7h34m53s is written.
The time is 2h20m00s
